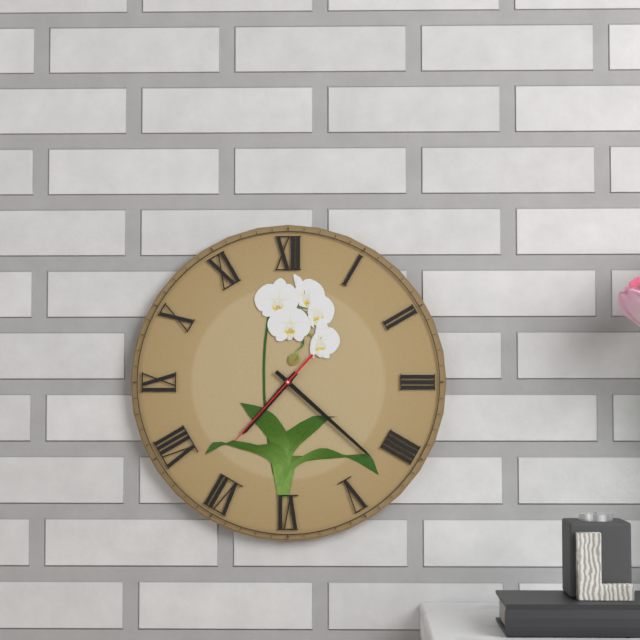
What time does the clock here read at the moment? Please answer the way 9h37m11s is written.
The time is 7h22m37s
